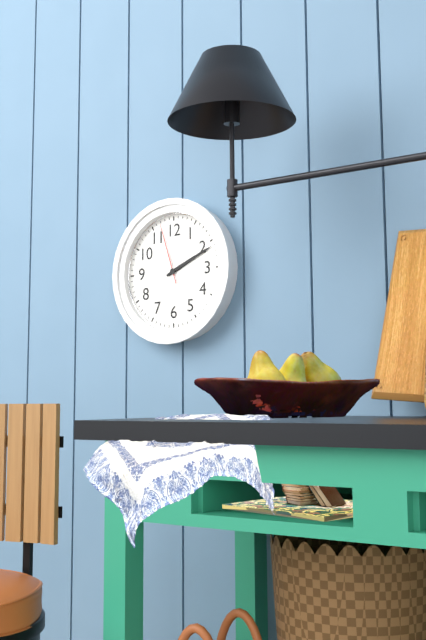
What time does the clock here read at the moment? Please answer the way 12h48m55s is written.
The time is 2h11m57s
